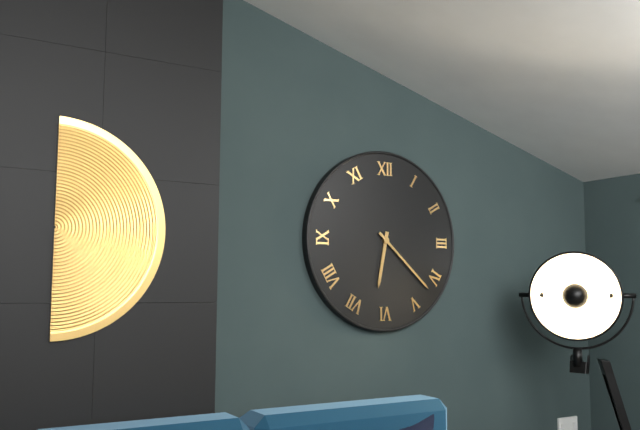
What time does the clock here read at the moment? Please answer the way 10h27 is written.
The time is 6h22
